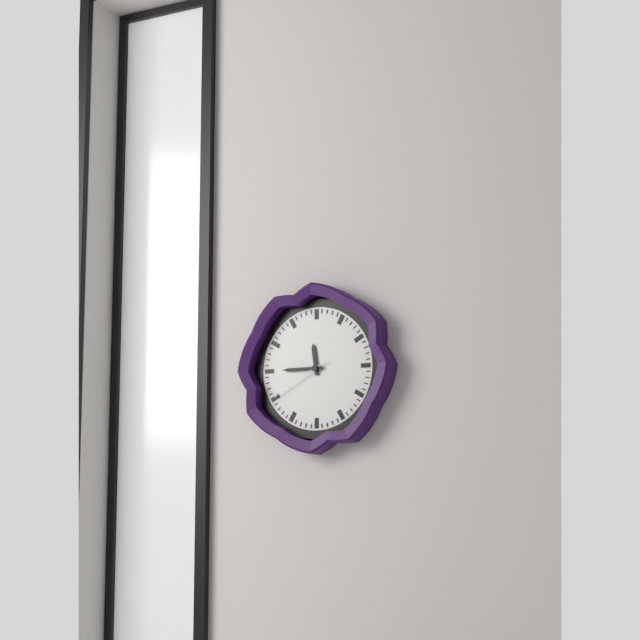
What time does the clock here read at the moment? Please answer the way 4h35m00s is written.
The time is 11h45m40s
